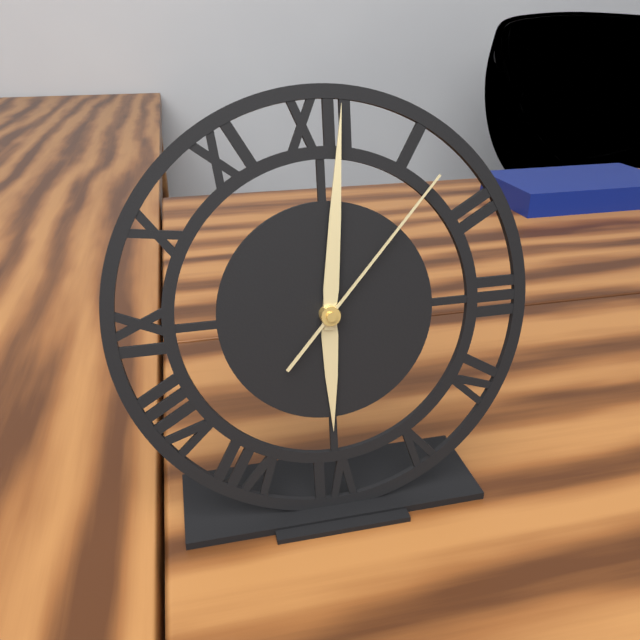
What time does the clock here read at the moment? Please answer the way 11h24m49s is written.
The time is 6h01m07s
